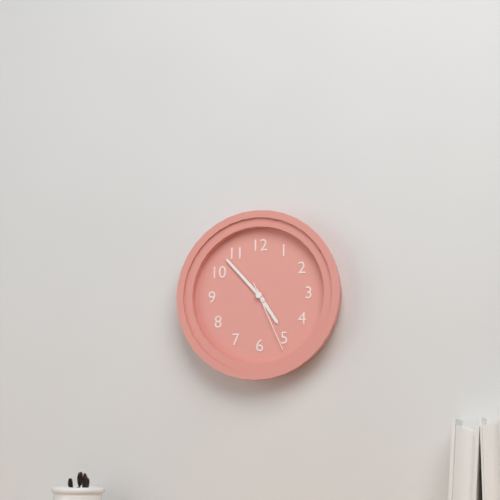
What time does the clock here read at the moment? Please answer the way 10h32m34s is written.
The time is 4h53m26s
